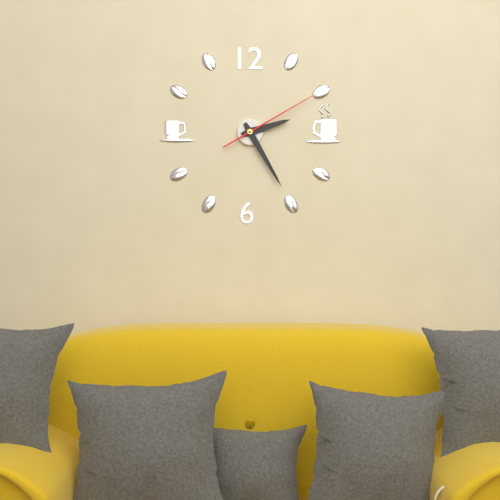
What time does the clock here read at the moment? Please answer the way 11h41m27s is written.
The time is 2h25m10s
